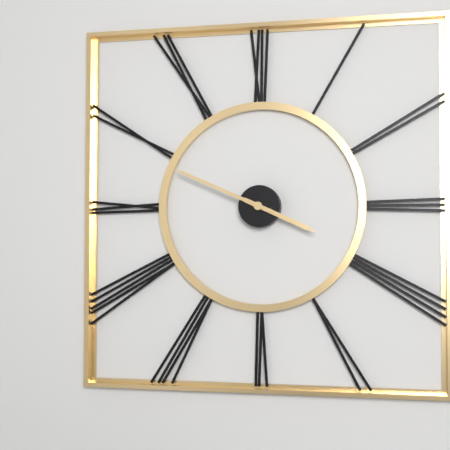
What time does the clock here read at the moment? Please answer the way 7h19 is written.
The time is 3h49
